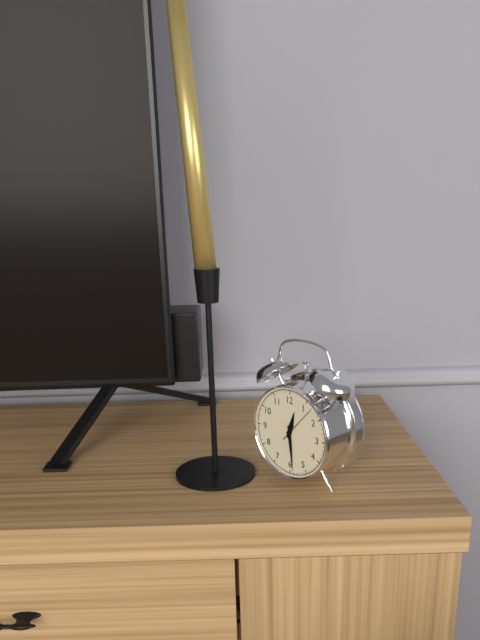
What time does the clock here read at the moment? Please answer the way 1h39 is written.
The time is 12h29
